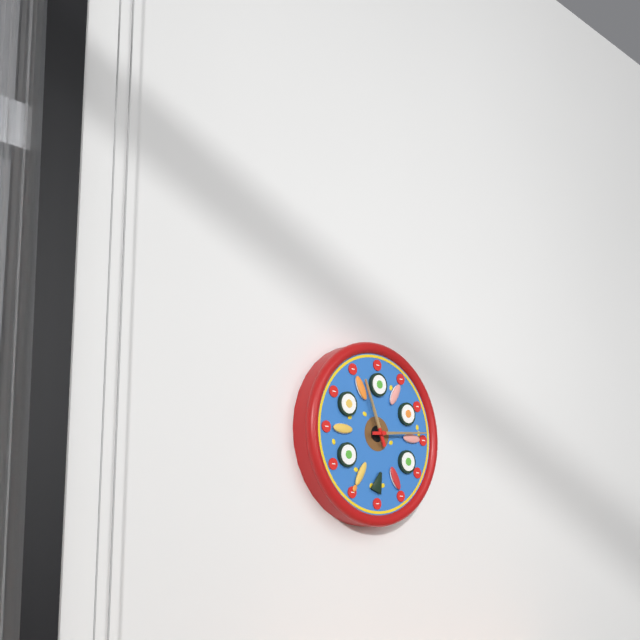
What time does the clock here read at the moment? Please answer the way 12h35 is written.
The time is 11h14
